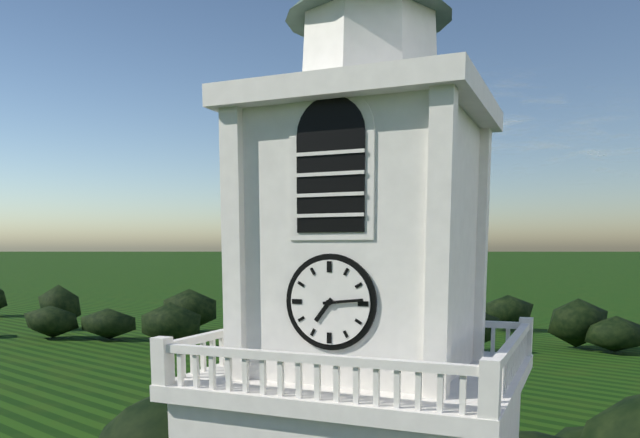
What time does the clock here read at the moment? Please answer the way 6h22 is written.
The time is 7h14
